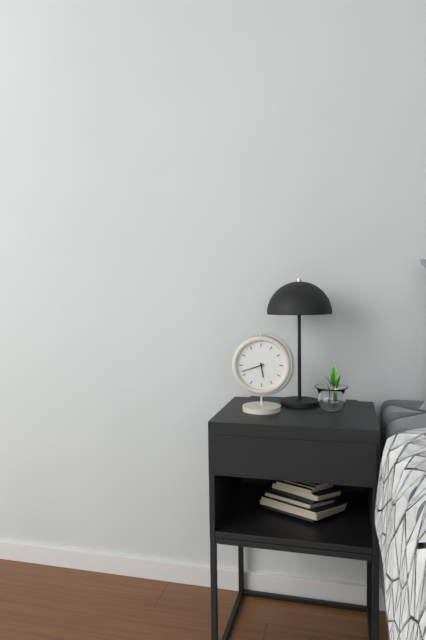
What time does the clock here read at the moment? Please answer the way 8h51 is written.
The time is 5h42
